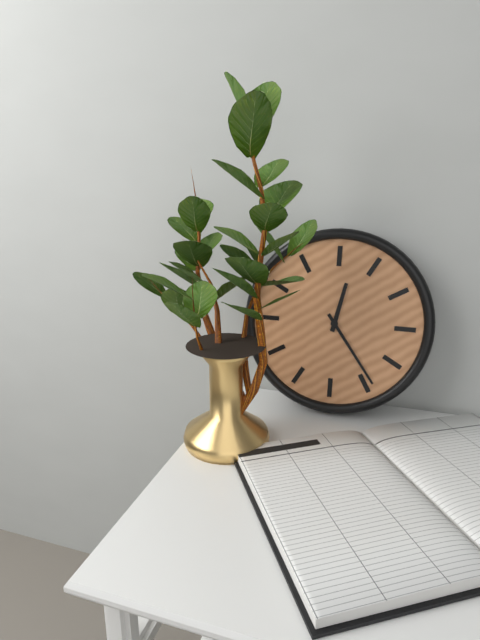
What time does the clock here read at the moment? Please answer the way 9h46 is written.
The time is 12h24
